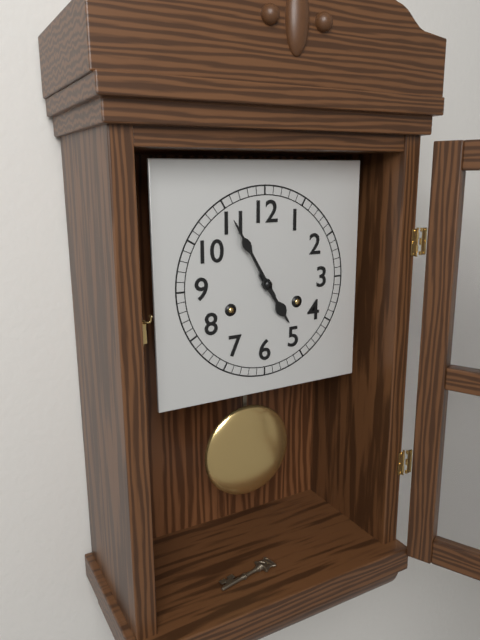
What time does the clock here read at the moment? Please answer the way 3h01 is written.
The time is 4h55
